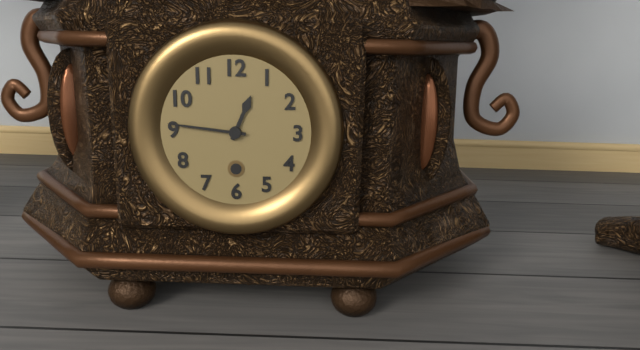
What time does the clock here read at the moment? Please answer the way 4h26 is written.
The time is 12h46
